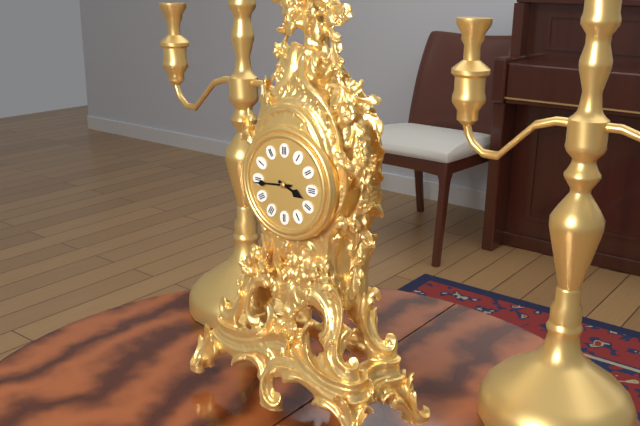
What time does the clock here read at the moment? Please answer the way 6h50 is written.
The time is 3h44
